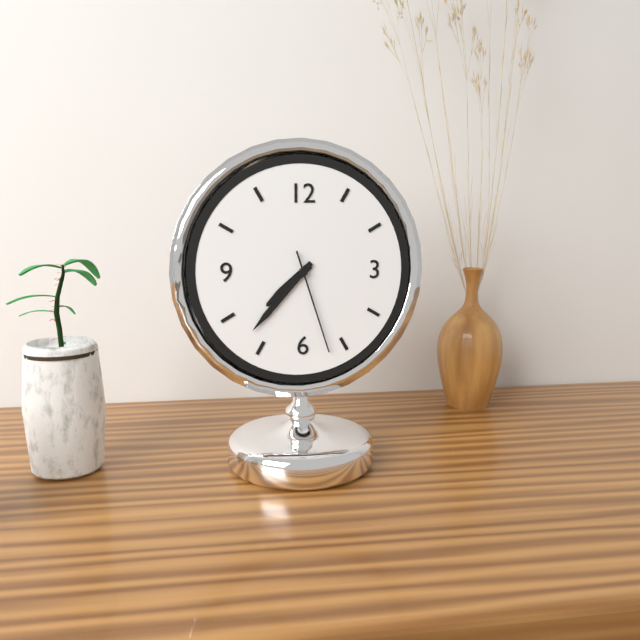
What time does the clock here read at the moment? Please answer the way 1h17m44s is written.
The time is 7h37m27s
